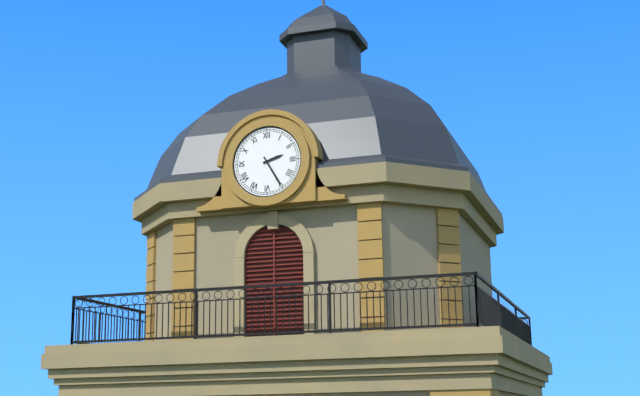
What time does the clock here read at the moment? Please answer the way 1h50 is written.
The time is 2h25
